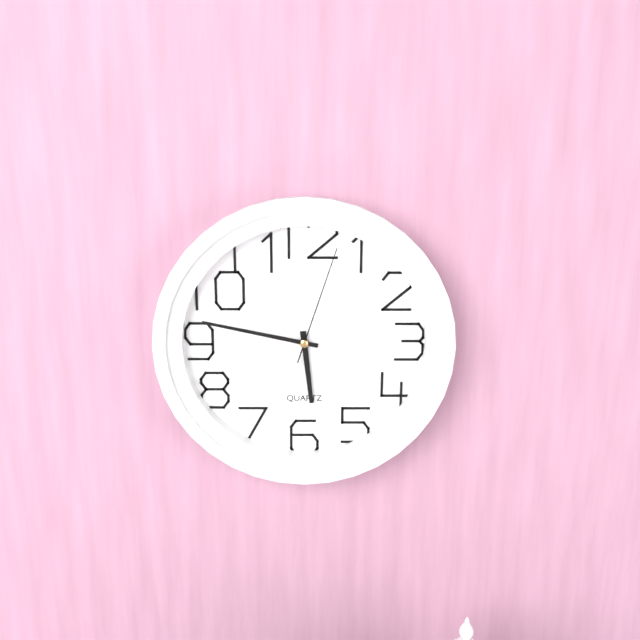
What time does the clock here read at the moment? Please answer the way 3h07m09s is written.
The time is 5h47m03s
